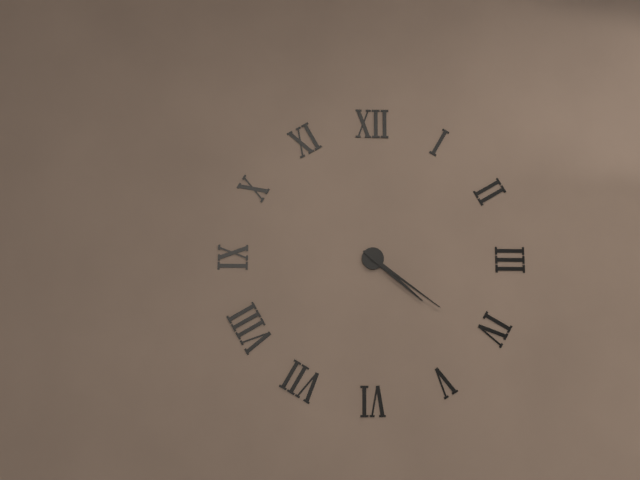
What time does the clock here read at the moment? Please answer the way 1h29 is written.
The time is 4h21
